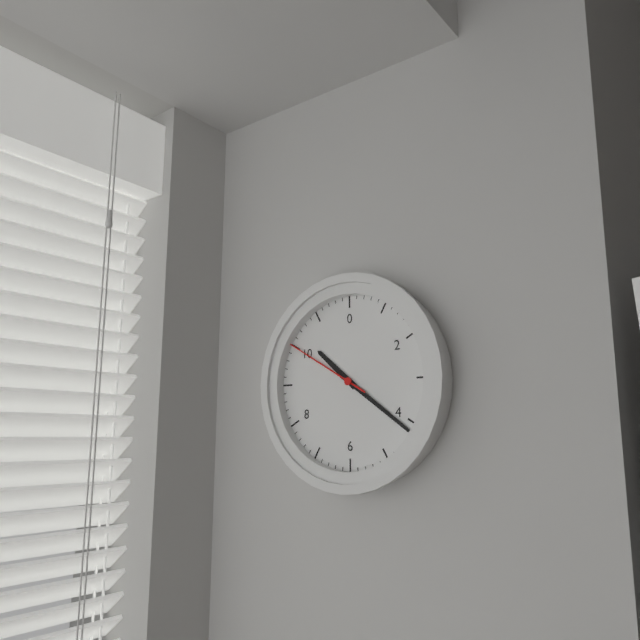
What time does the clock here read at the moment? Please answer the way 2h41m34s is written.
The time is 10h21m50s
